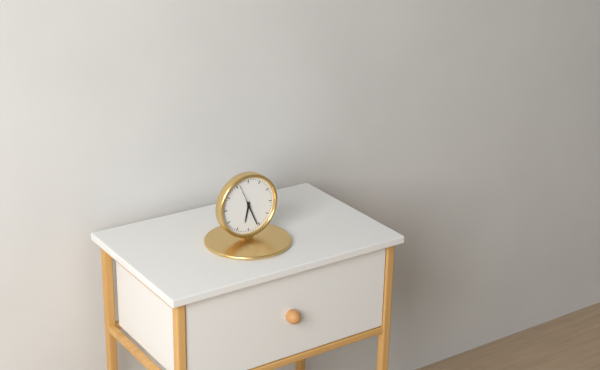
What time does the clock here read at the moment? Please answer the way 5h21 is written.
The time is 6h26
